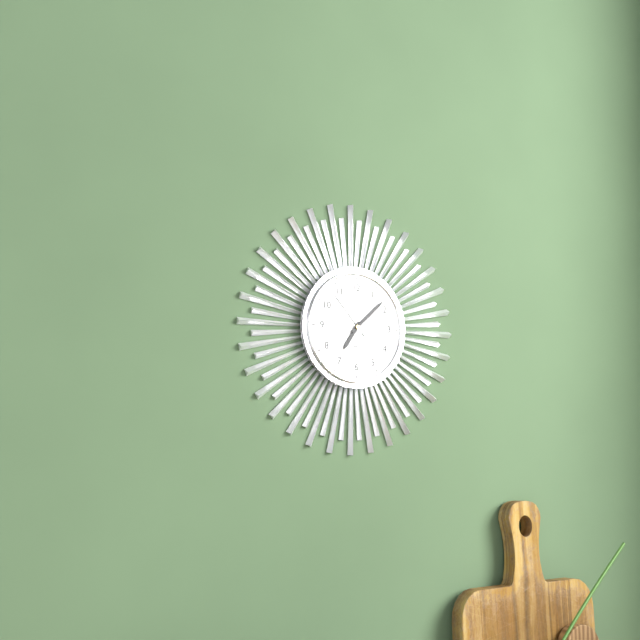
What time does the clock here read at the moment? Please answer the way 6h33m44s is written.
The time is 7h08m53s
